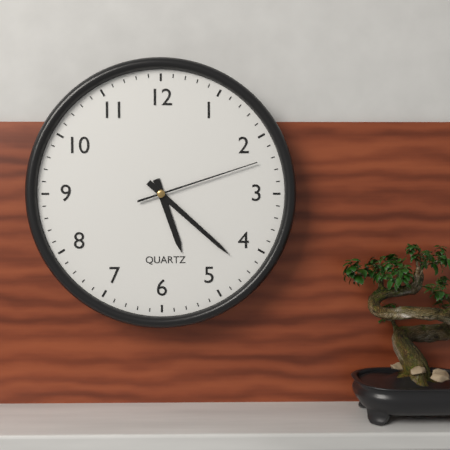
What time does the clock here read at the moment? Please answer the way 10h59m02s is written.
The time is 5h22m12s
